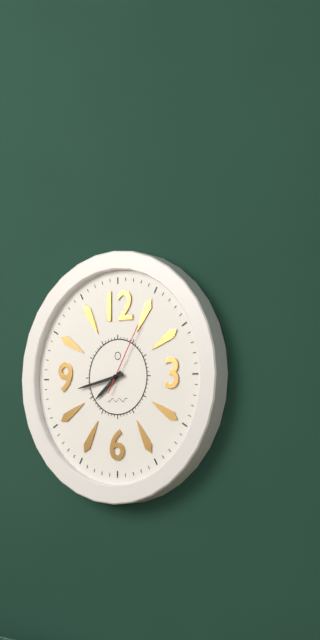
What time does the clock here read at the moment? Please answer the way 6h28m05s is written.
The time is 7h43m05s
